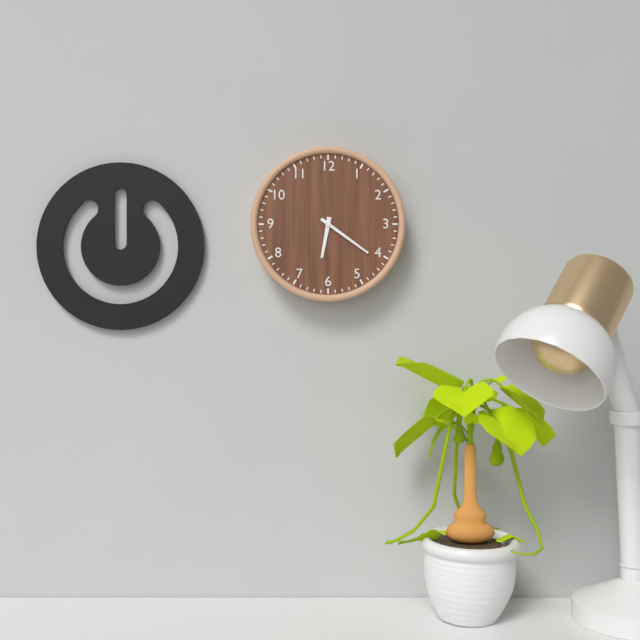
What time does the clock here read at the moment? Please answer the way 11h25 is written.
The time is 6h21
